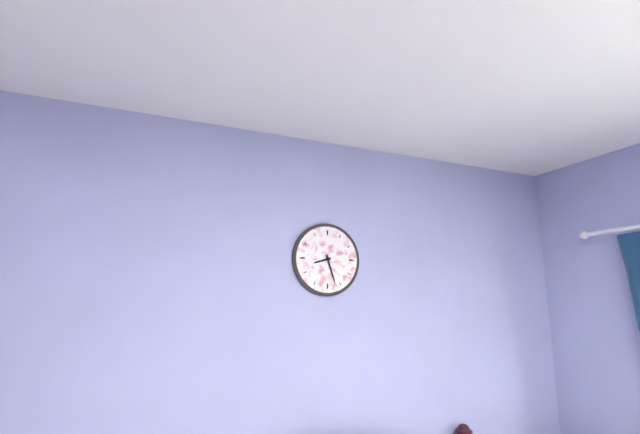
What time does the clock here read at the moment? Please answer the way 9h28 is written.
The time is 8h27
